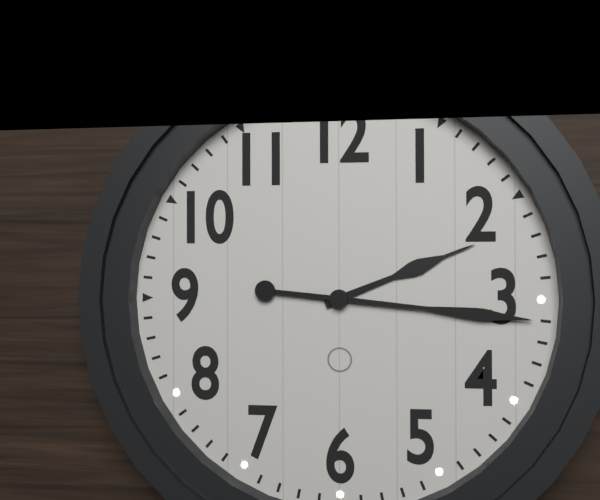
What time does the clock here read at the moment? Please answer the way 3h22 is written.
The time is 2h16
